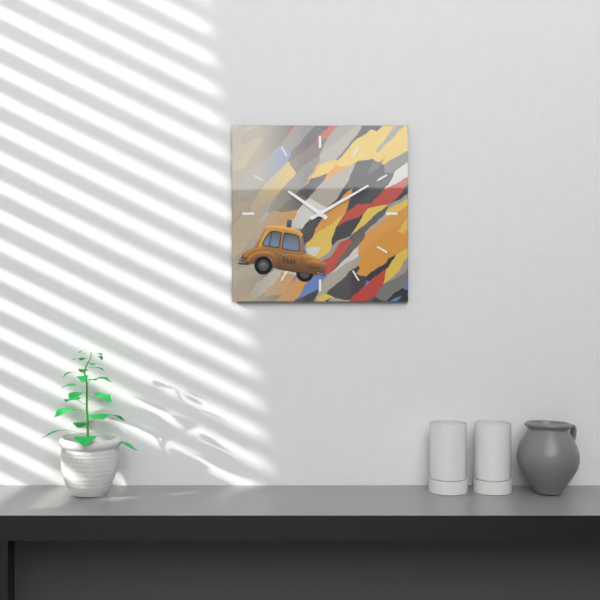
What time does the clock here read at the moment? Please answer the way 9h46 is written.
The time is 10h10
